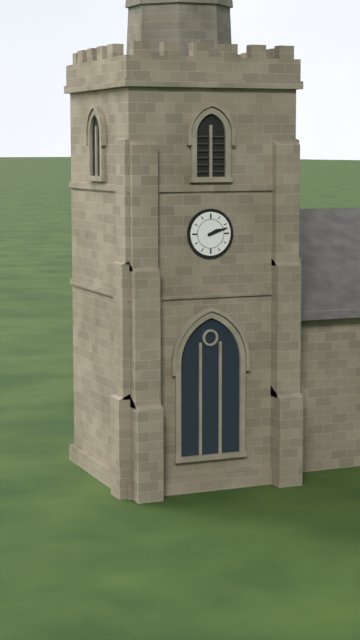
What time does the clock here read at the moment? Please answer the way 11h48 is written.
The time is 2h12
